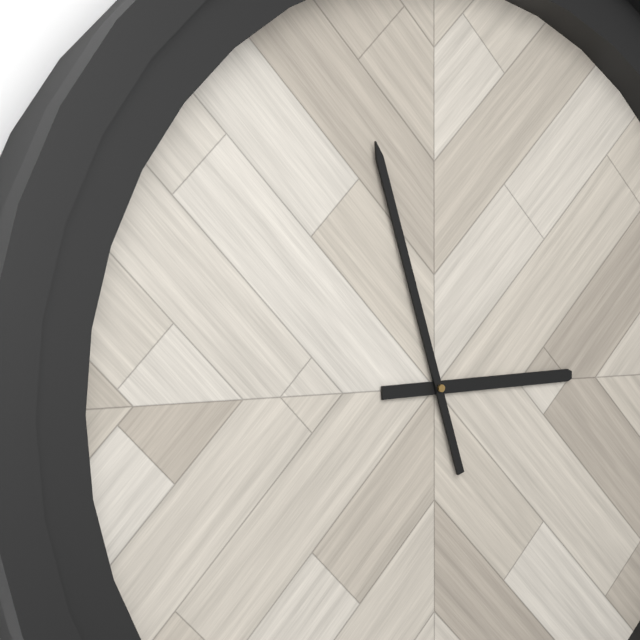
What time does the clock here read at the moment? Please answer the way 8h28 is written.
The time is 2h57
